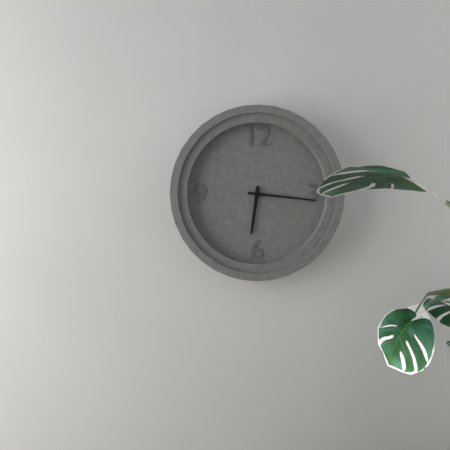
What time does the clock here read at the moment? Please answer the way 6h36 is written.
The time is 6h16
